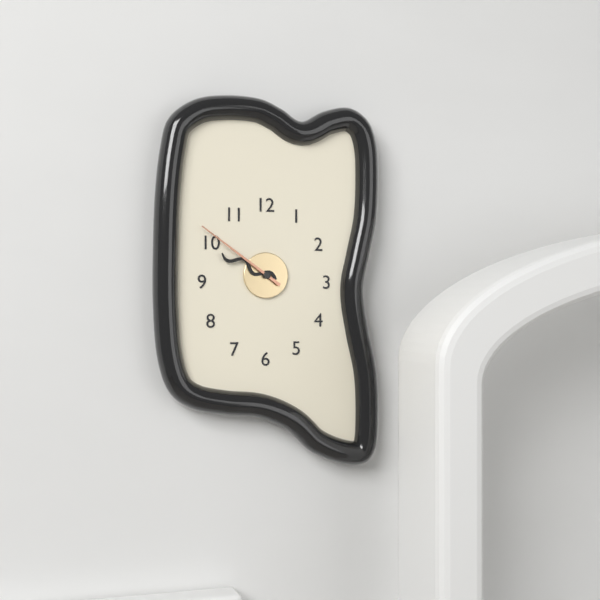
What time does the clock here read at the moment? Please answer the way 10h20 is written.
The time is 9h51
